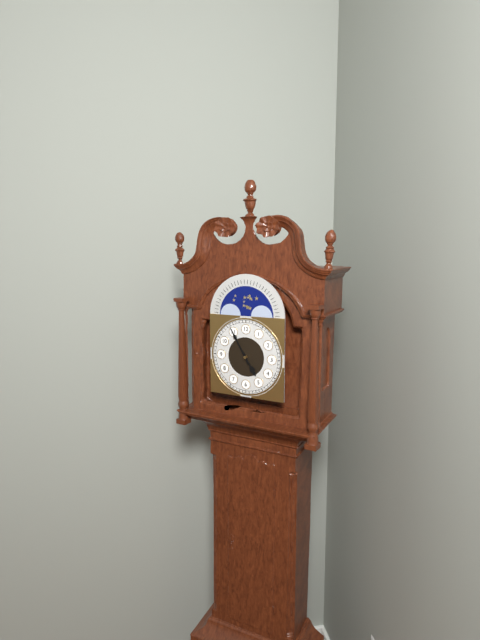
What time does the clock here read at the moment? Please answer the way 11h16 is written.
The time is 4h55
